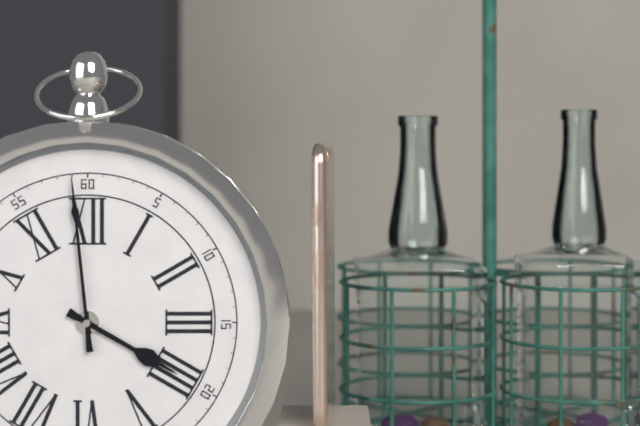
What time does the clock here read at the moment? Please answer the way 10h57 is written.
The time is 3h59
